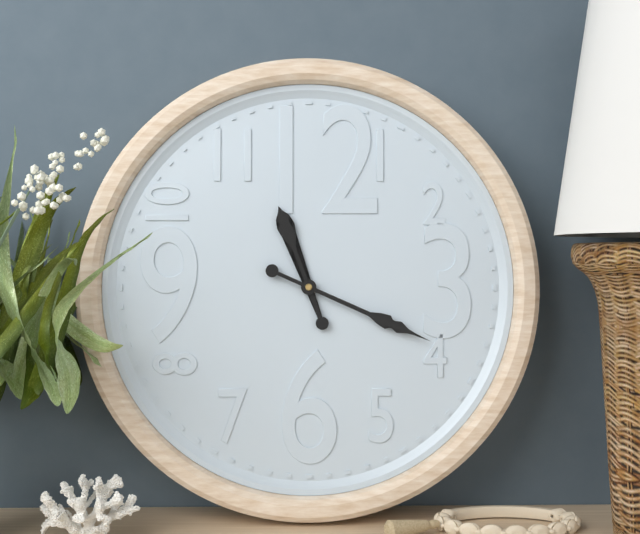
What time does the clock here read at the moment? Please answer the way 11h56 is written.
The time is 11h19
